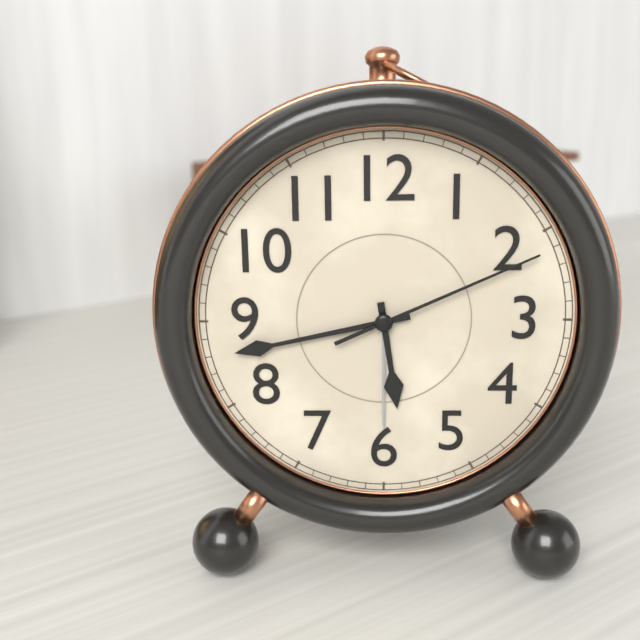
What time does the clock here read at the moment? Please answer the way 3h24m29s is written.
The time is 5h43m11s
